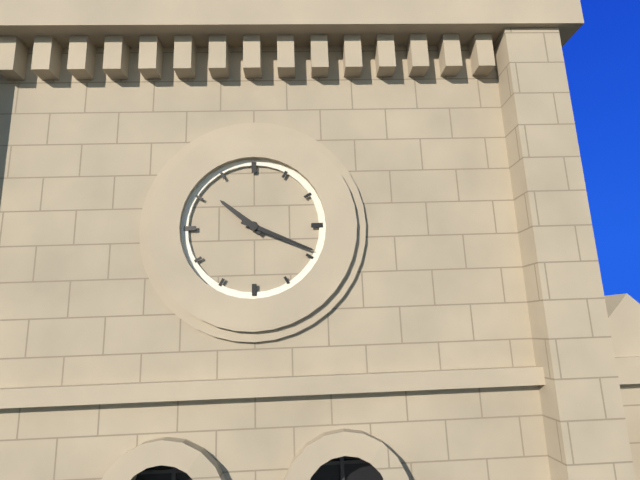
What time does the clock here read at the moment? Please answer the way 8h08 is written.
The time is 10h19
